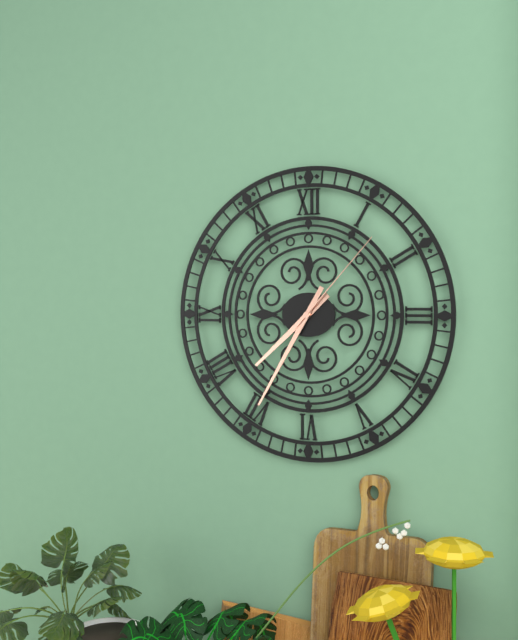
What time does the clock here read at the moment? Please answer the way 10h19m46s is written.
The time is 7h35m07s
